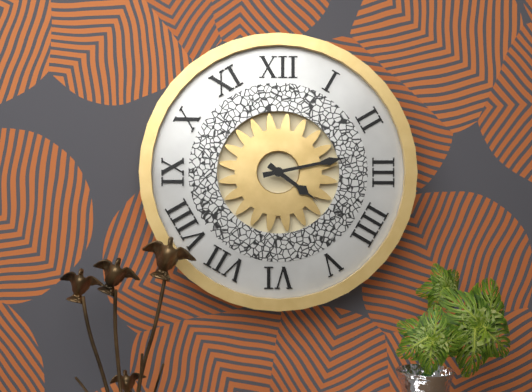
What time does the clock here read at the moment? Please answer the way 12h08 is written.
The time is 4h13
